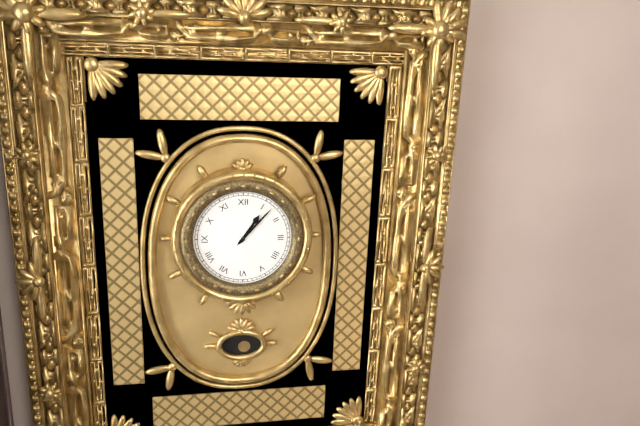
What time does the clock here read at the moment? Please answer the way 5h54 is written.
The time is 1h07
